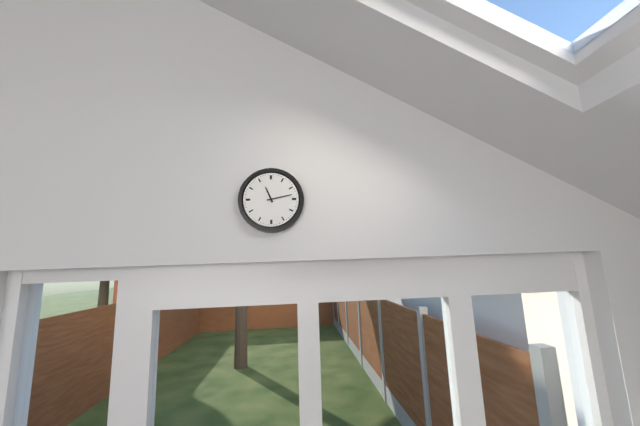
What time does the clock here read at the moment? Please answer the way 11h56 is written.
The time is 11h13
